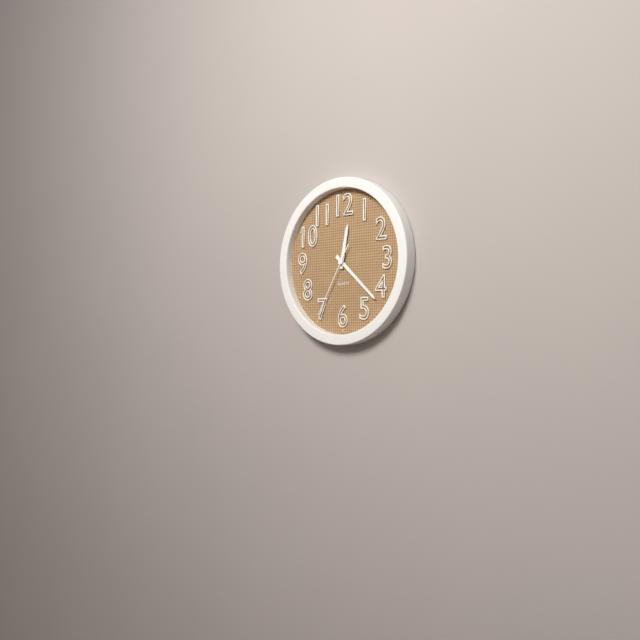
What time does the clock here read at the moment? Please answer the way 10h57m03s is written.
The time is 12h22m35s
